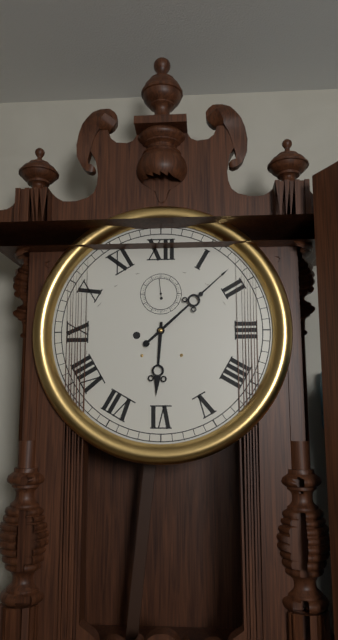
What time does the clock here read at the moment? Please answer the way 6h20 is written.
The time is 6h08
